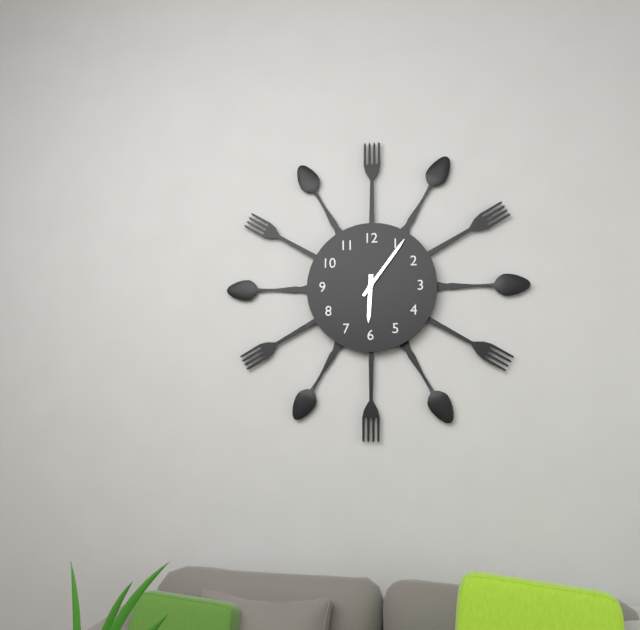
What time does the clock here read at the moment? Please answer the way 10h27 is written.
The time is 6h06
